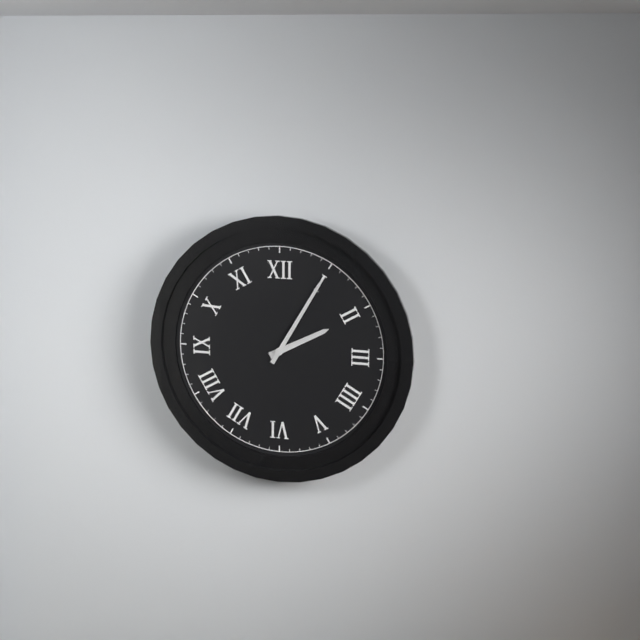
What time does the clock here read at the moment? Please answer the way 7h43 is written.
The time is 2h05
